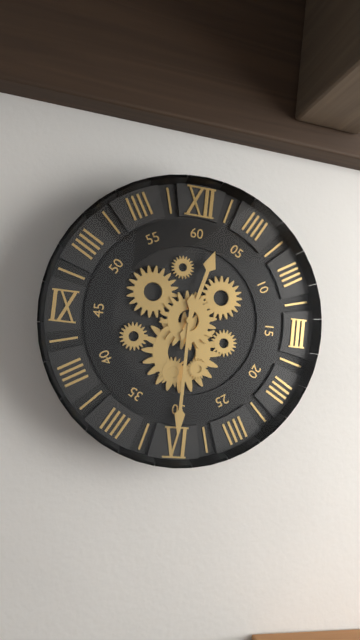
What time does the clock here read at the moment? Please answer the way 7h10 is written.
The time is 12h30
